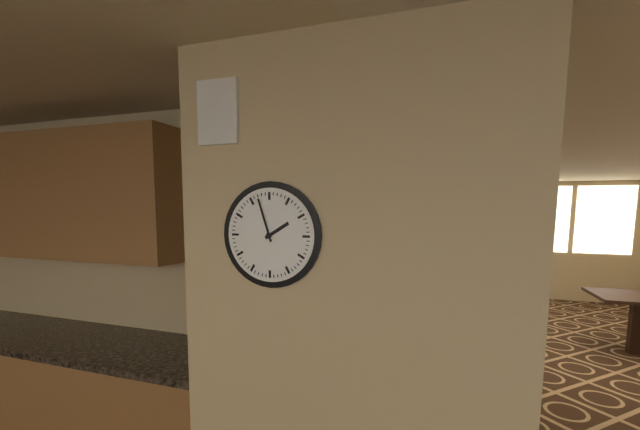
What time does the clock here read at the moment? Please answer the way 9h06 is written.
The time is 1h57
